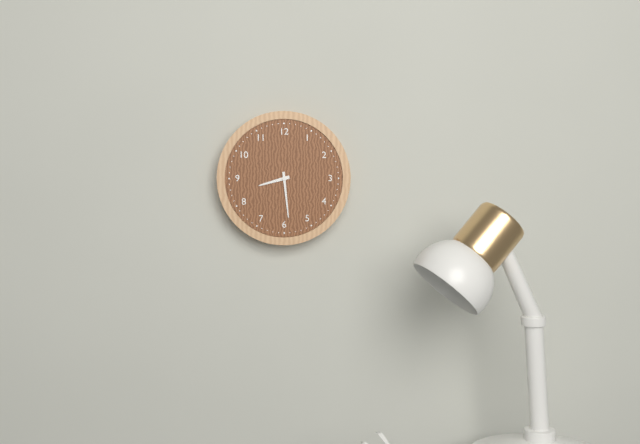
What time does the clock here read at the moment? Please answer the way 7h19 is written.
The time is 8h29
